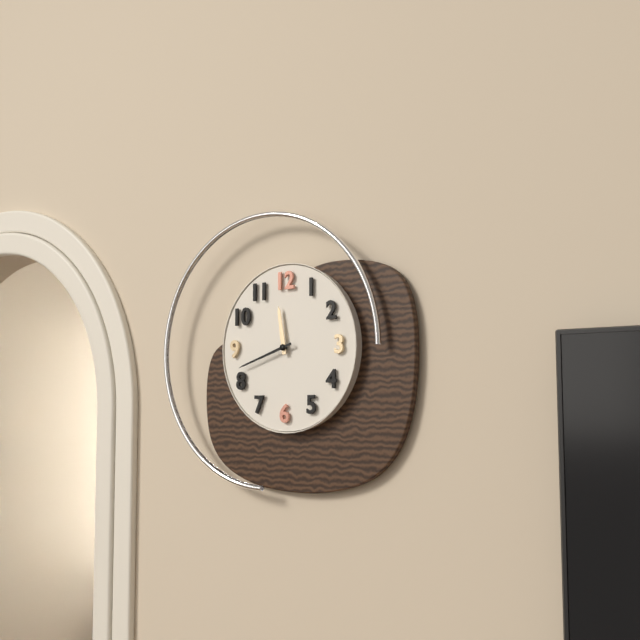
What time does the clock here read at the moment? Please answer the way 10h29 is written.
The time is 11h42
